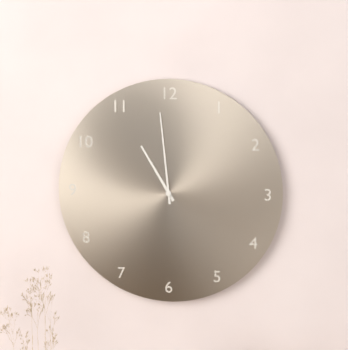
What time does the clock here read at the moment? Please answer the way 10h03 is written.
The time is 10h59
